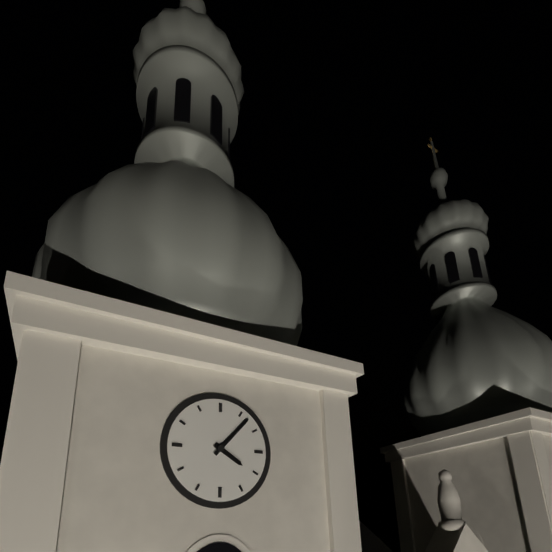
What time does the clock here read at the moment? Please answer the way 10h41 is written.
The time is 4h07
